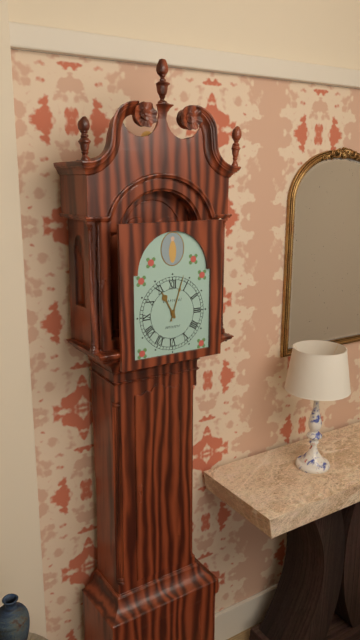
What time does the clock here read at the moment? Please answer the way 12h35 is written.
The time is 11h03
